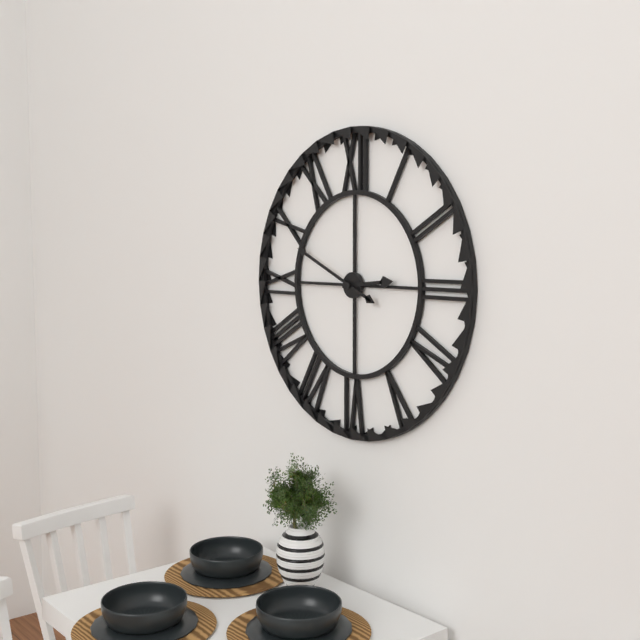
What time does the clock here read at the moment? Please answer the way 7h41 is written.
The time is 2h49
